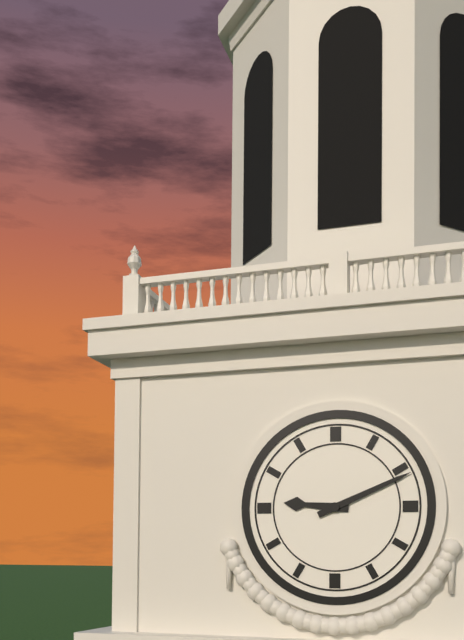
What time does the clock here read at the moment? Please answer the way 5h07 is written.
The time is 9h11
